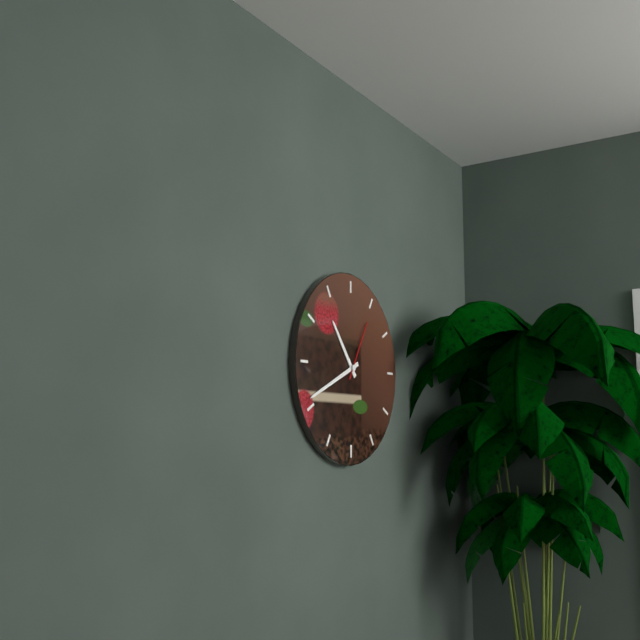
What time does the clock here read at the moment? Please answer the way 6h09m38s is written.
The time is 10h41m05s
